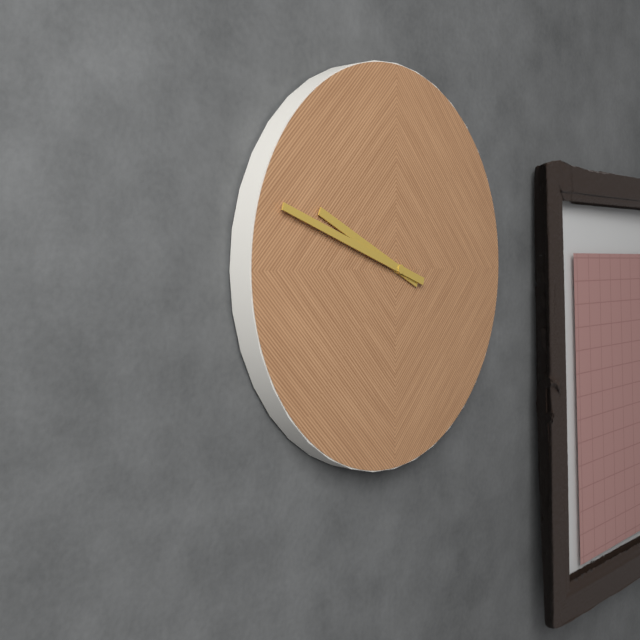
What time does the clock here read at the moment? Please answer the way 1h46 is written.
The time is 9h48
